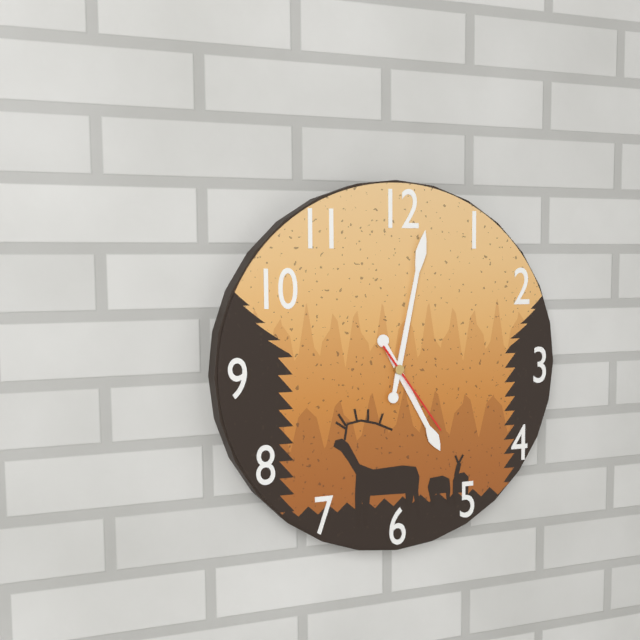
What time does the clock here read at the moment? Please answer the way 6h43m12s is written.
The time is 5h02m24s
